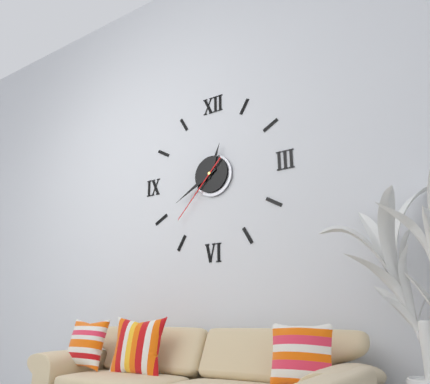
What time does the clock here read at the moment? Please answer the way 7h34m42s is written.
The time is 12h40m37s
